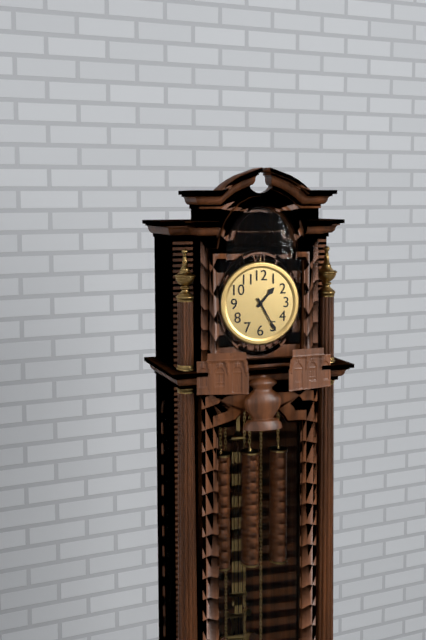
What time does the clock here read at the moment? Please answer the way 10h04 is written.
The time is 1h25
